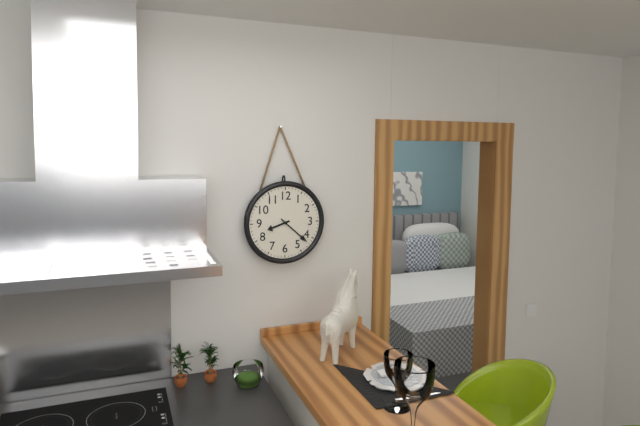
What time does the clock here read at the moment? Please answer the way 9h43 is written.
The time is 8h22
